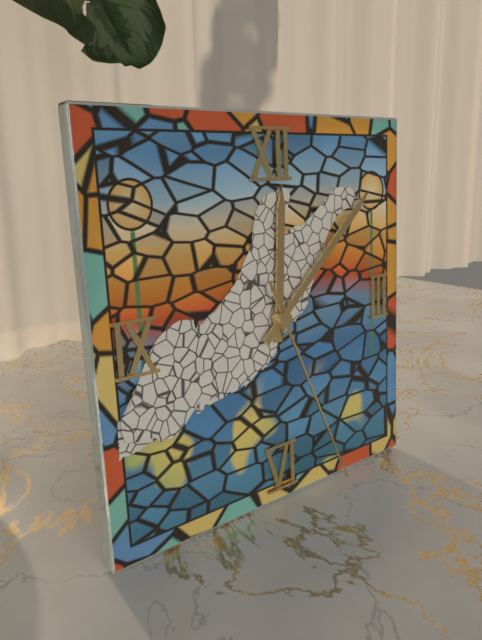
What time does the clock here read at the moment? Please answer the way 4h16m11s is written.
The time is 12h08m26s
